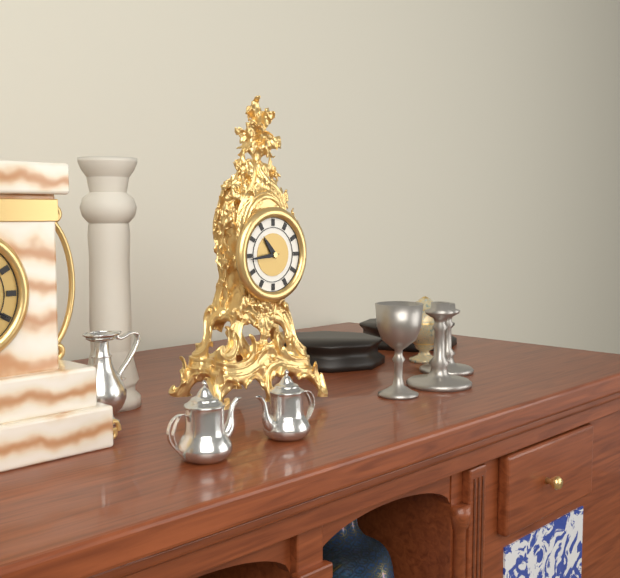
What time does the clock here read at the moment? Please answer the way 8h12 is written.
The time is 10h44
